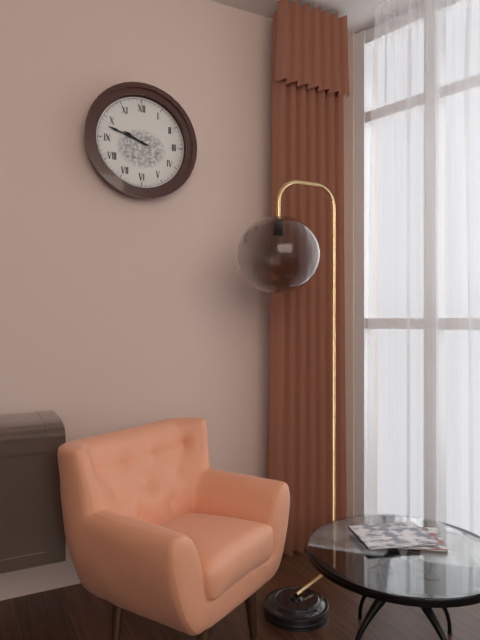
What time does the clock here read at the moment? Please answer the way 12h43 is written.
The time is 9h48
